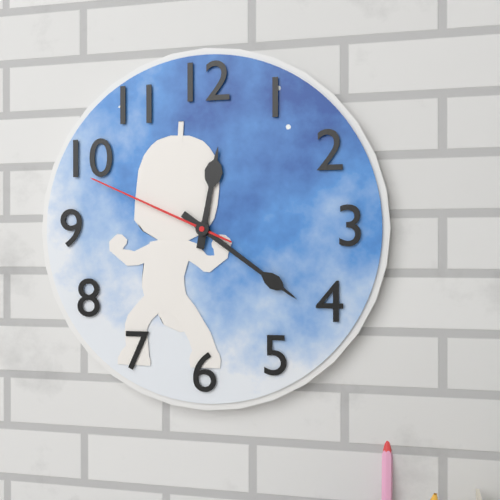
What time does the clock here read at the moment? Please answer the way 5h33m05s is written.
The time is 12h21m49s
